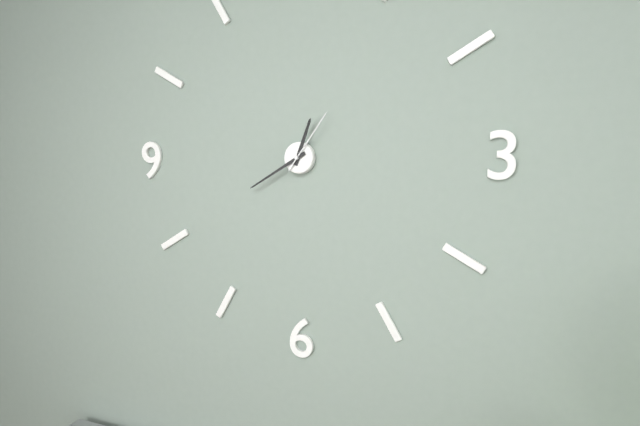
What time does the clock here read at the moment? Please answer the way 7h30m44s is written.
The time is 12h40m06s
